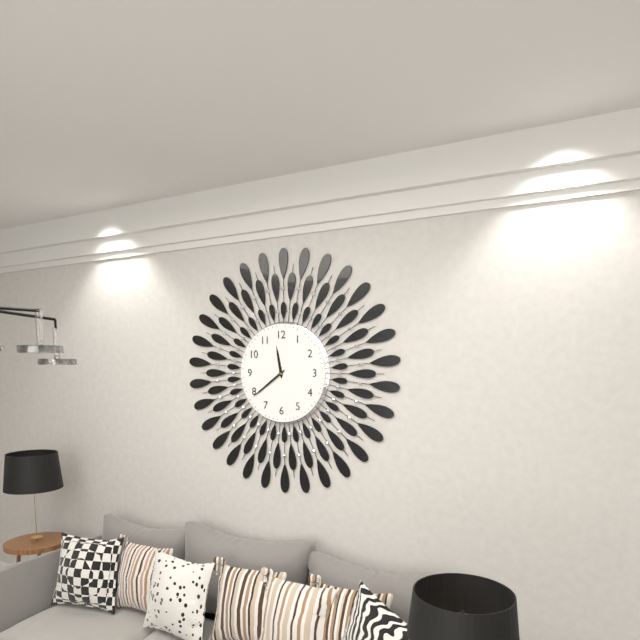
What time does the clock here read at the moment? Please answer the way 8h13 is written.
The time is 11h39
